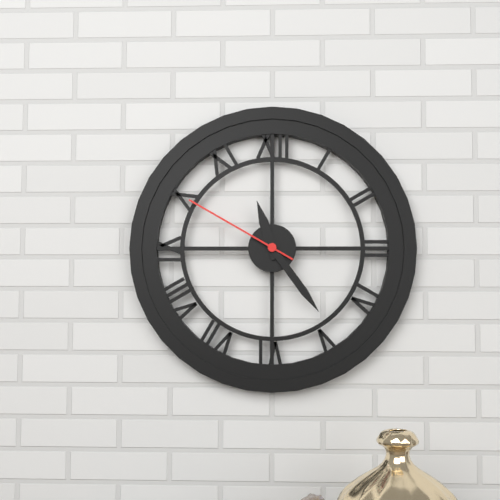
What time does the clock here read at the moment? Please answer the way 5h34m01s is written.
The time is 11h24m50s
